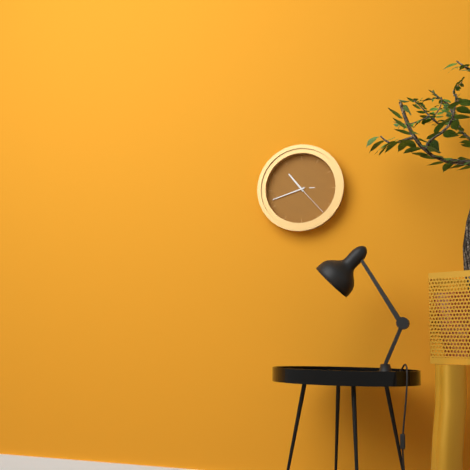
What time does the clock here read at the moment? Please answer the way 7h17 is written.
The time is 10h42
